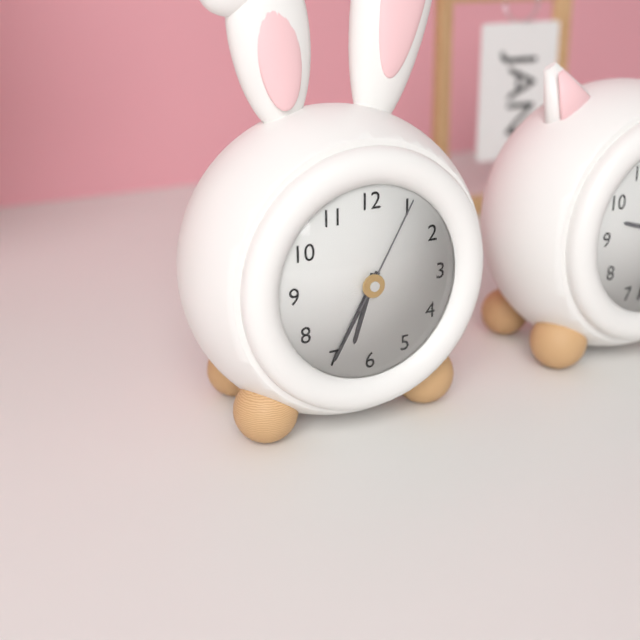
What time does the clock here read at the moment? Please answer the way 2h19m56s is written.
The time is 6h35m05s
